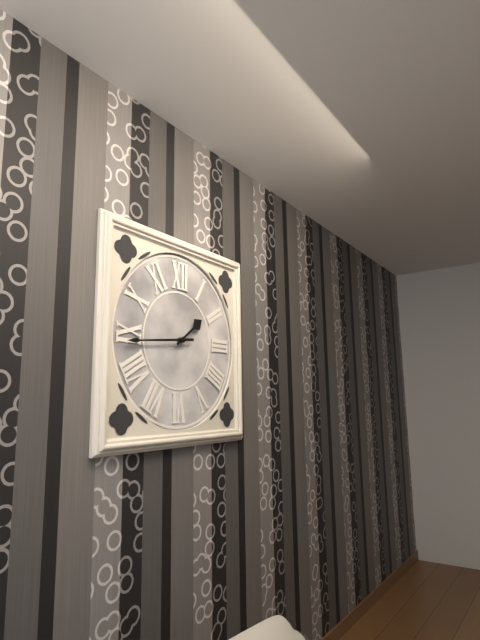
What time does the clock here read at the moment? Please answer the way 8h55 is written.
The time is 1h44
